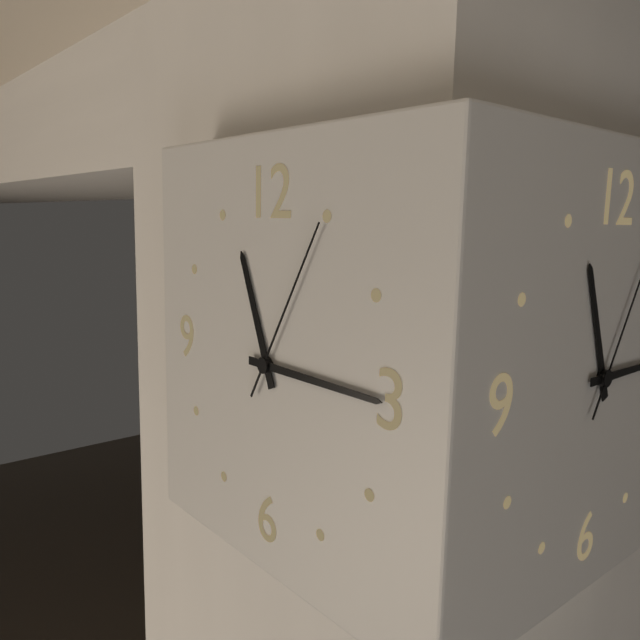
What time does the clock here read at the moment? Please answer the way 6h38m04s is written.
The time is 11h15m05s
